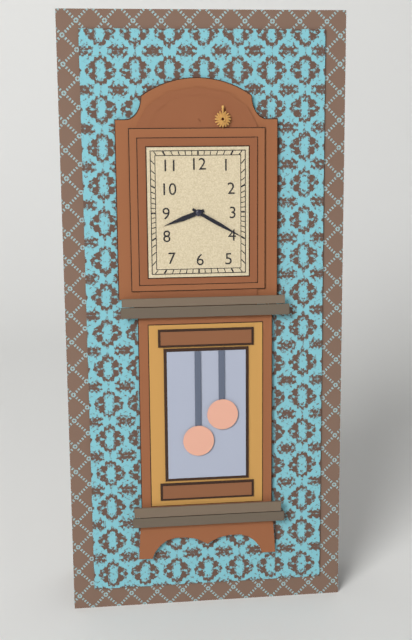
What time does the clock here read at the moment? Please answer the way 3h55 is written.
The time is 8h20
